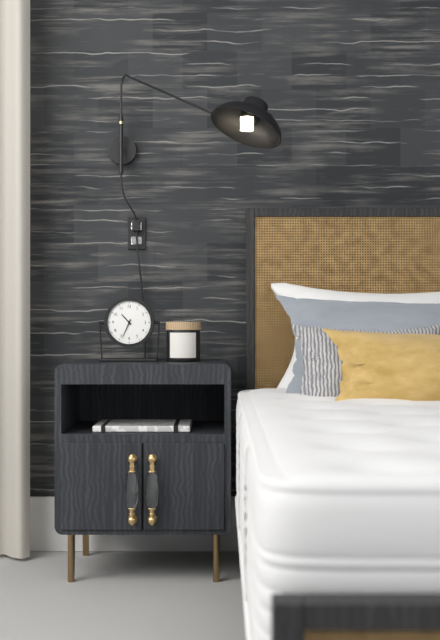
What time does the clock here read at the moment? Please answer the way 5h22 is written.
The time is 10h34
